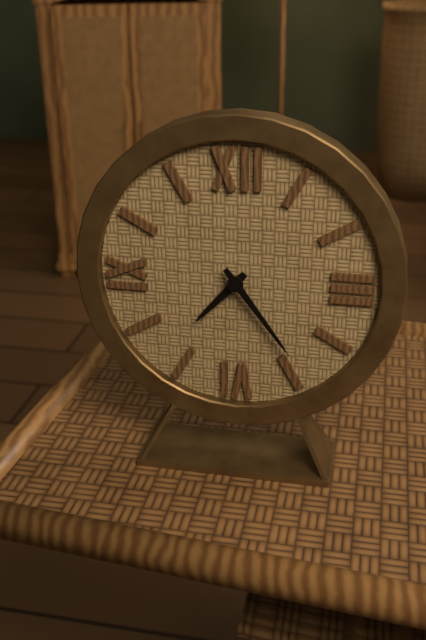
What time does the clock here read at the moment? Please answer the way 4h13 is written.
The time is 7h24
